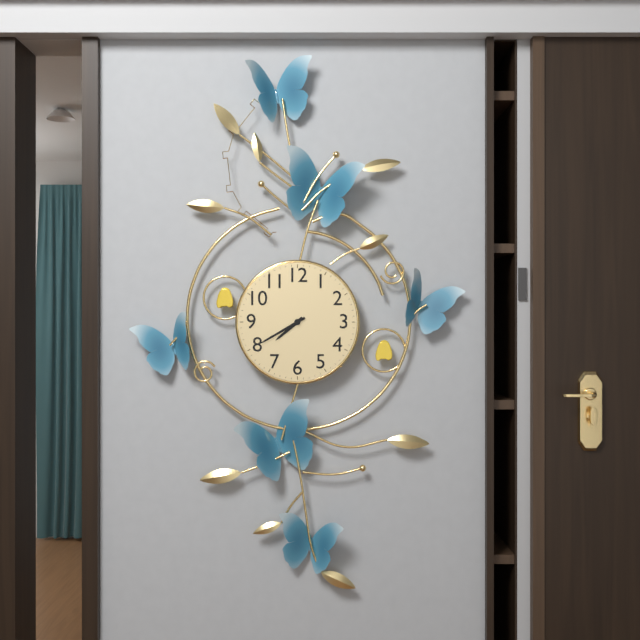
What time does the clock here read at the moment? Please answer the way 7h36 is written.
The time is 7h40
